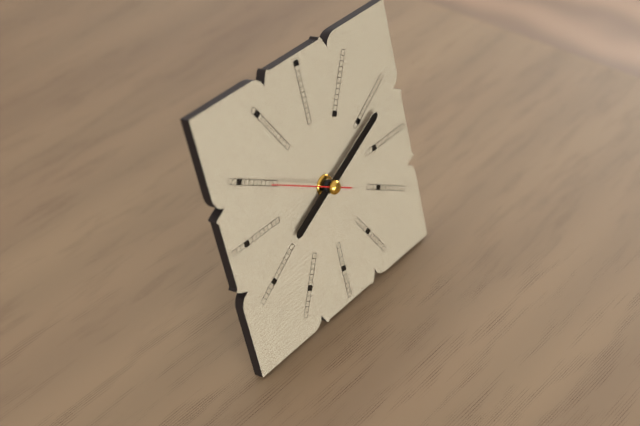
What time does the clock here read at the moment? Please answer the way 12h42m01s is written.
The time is 8h11m50s
